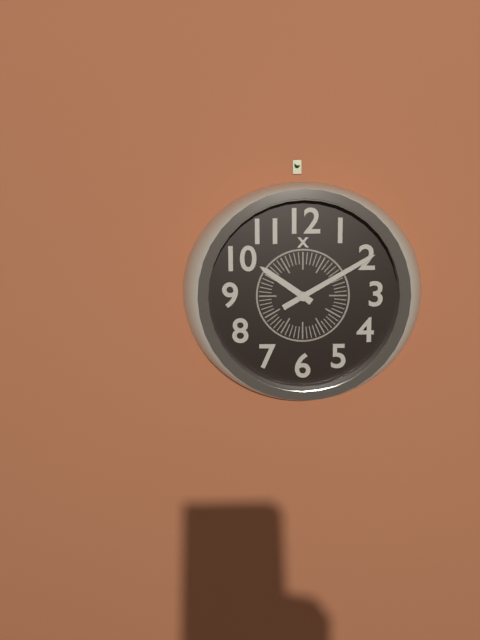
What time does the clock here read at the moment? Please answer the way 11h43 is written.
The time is 10h10
